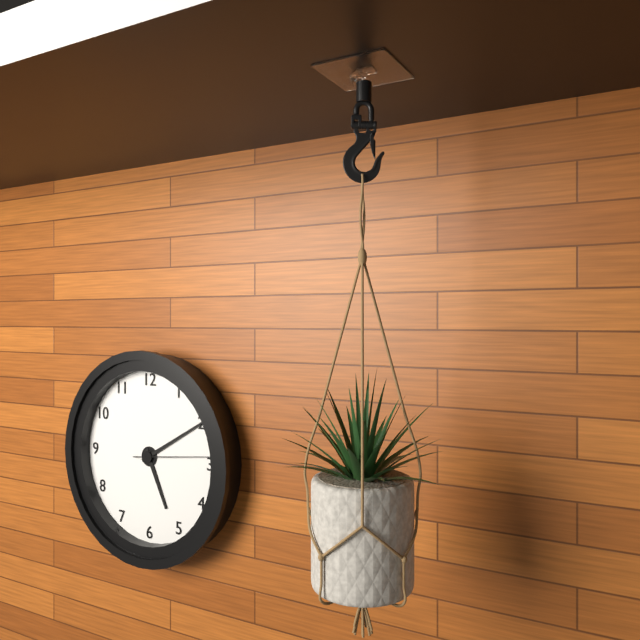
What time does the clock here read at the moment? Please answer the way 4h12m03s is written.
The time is 5h10m14s
